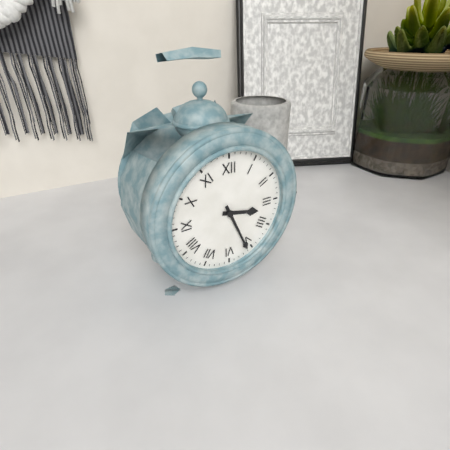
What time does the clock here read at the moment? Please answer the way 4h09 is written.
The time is 3h26
